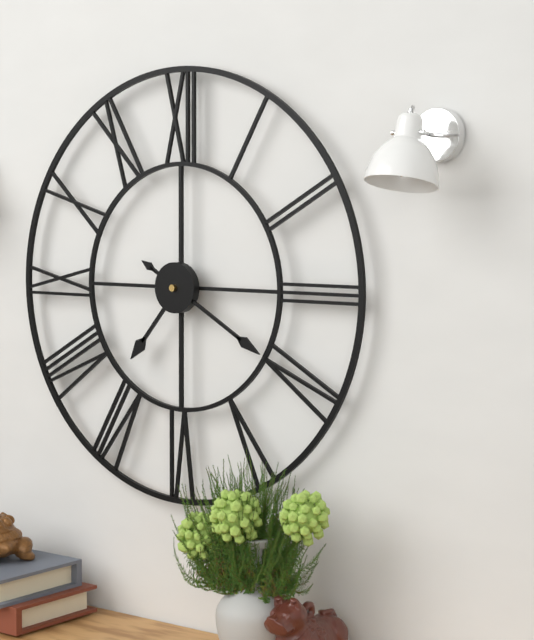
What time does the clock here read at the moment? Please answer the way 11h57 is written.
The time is 7h20
